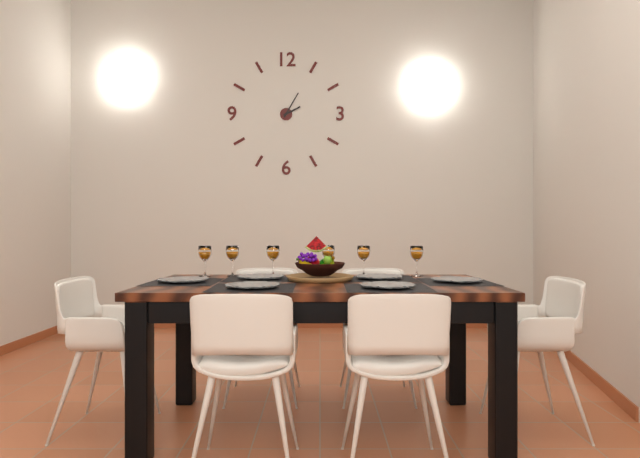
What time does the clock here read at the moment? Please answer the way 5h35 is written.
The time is 2h05
